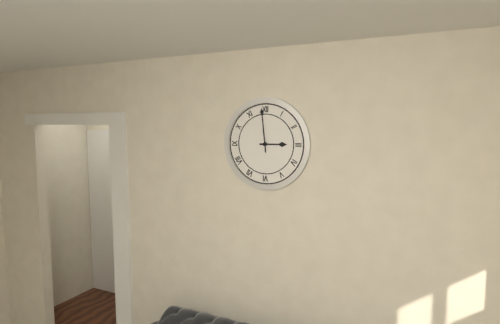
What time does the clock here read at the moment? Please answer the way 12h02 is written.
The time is 2h59
